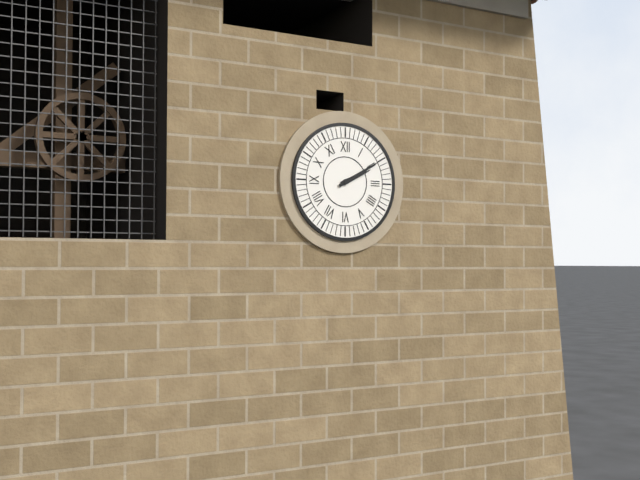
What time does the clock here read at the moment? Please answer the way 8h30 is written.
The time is 2h10
